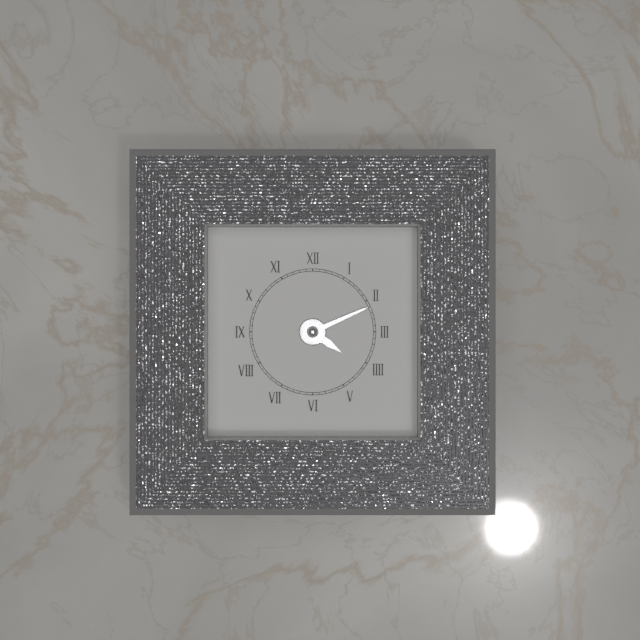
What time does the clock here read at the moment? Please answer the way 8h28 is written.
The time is 4h11
